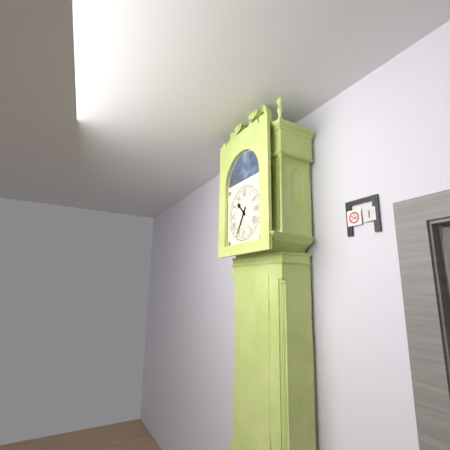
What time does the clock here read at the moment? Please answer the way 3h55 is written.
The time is 10h35
